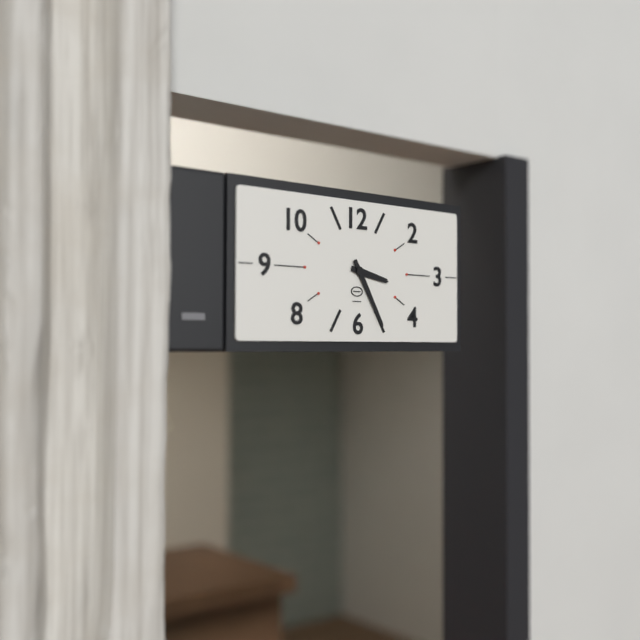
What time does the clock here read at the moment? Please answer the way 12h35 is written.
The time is 3h25
